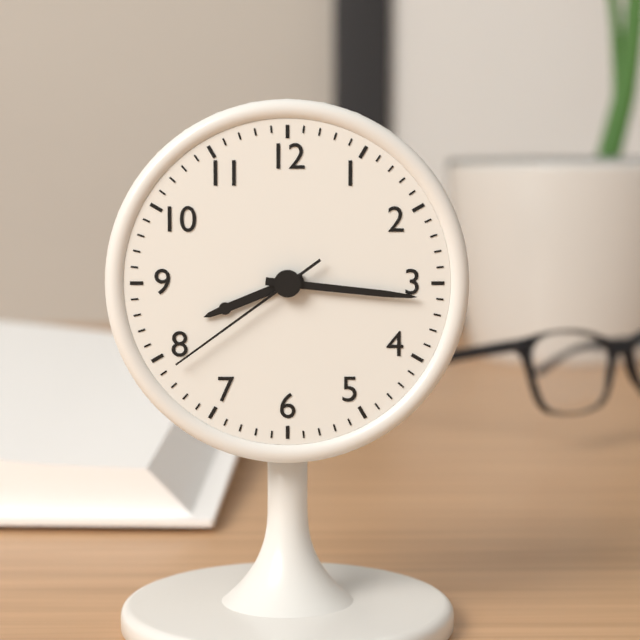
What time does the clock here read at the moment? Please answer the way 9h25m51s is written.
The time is 8h16m39s
